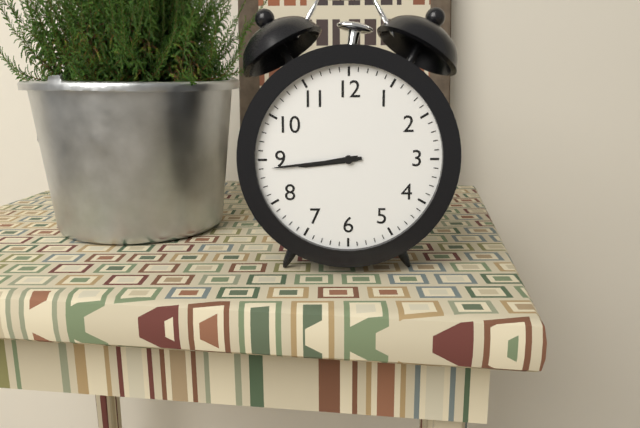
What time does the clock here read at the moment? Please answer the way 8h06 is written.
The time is 8h44
